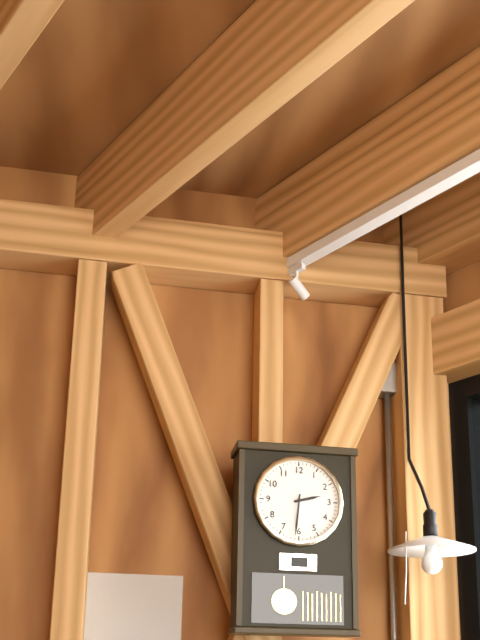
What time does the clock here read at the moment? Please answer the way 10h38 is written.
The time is 2h31
